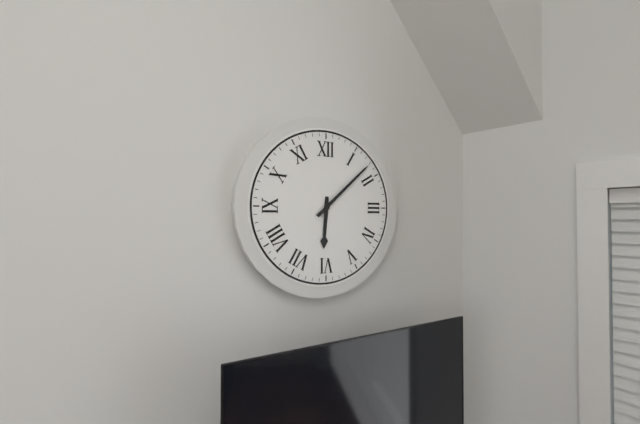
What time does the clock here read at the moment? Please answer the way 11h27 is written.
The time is 6h08
